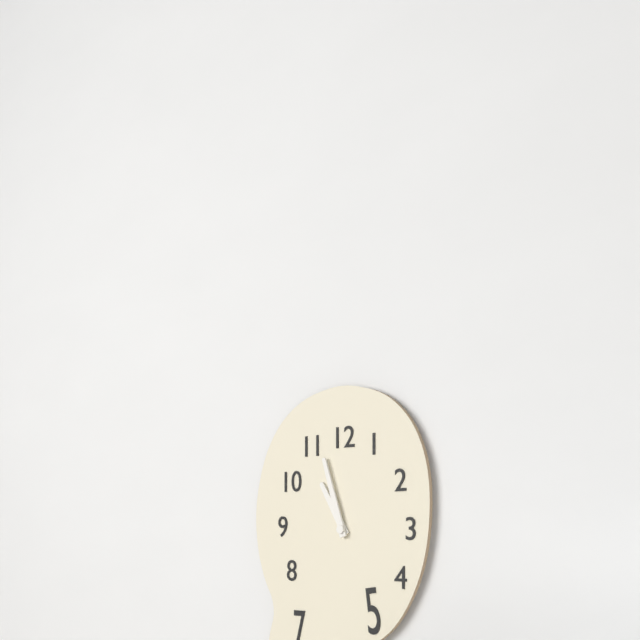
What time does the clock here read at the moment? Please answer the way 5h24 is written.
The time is 10h57
